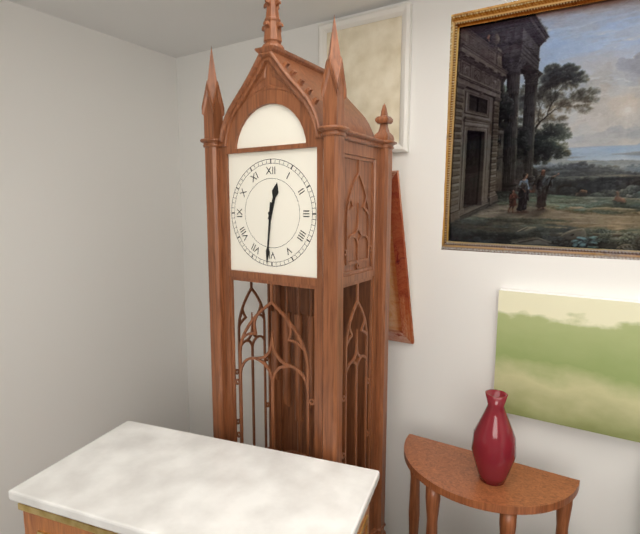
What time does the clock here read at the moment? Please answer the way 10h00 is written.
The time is 12h31
